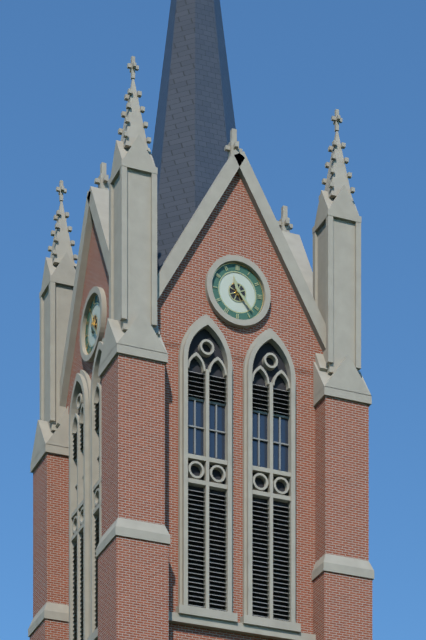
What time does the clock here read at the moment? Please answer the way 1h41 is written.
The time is 11h23
